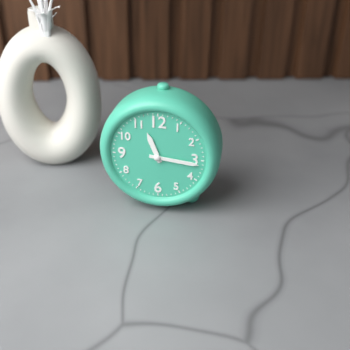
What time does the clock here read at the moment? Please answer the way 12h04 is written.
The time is 11h16
